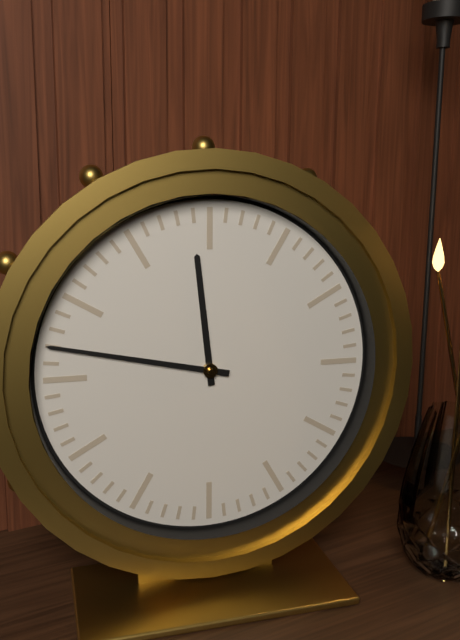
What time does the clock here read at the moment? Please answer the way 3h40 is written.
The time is 11h47
